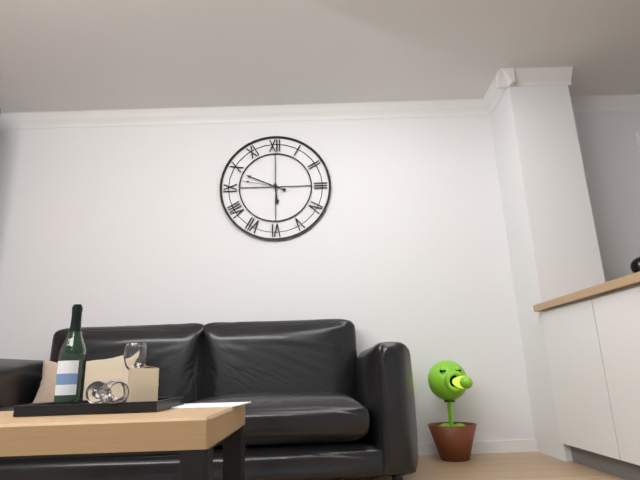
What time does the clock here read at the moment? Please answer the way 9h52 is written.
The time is 5h49
